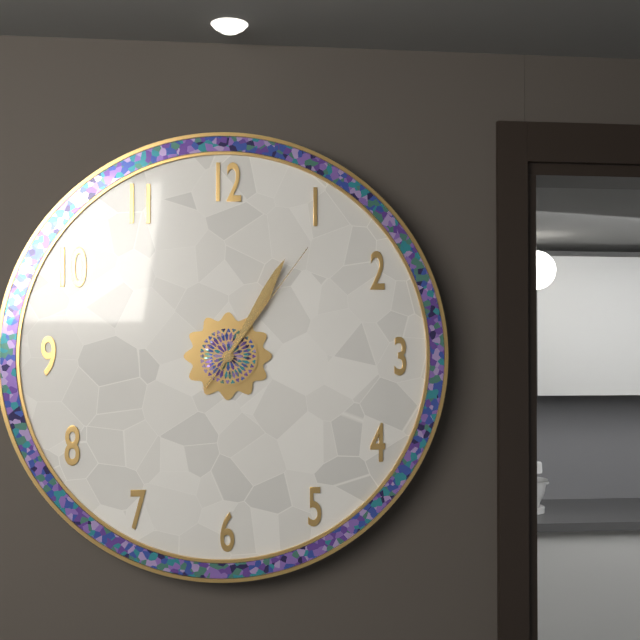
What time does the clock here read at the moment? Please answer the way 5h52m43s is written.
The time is 1h05m06s
